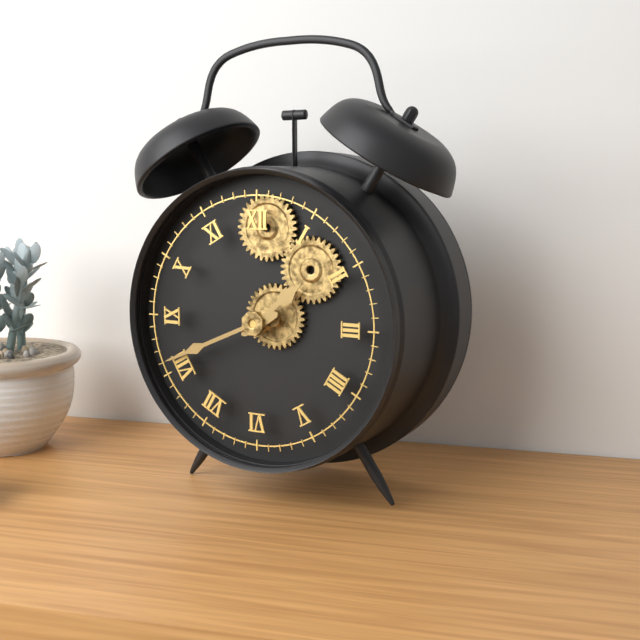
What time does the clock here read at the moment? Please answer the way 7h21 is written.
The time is 1h41
